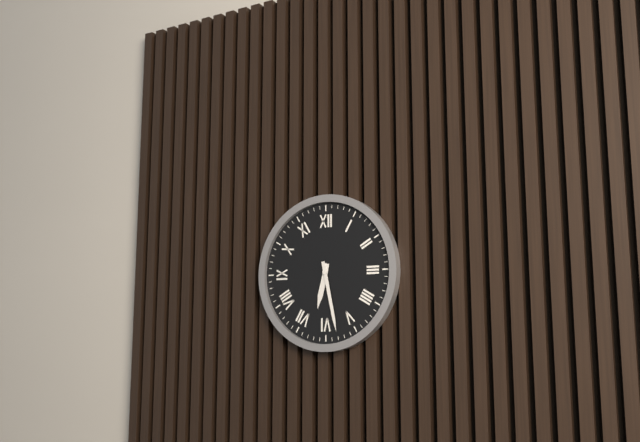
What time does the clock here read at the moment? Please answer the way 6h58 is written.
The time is 6h28
